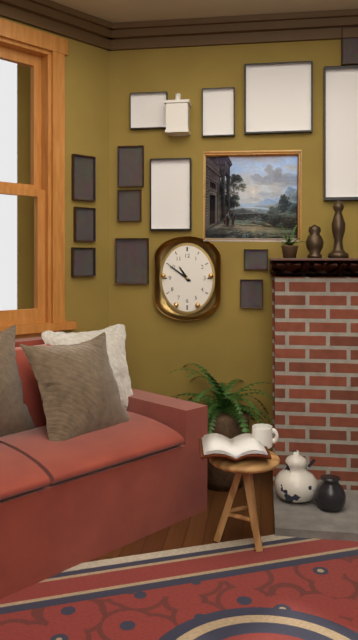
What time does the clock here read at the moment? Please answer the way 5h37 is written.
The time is 10h51
